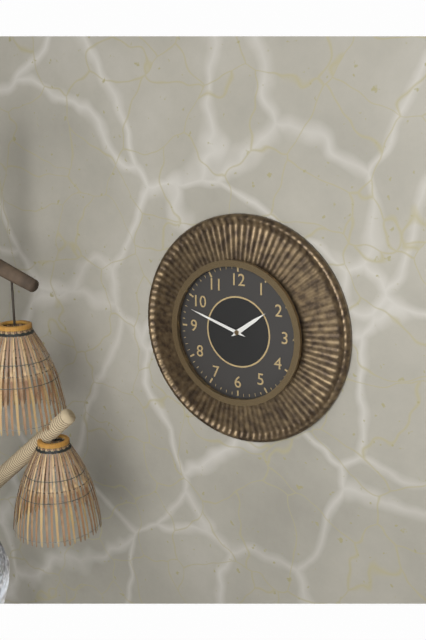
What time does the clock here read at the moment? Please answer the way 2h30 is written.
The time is 1h48
